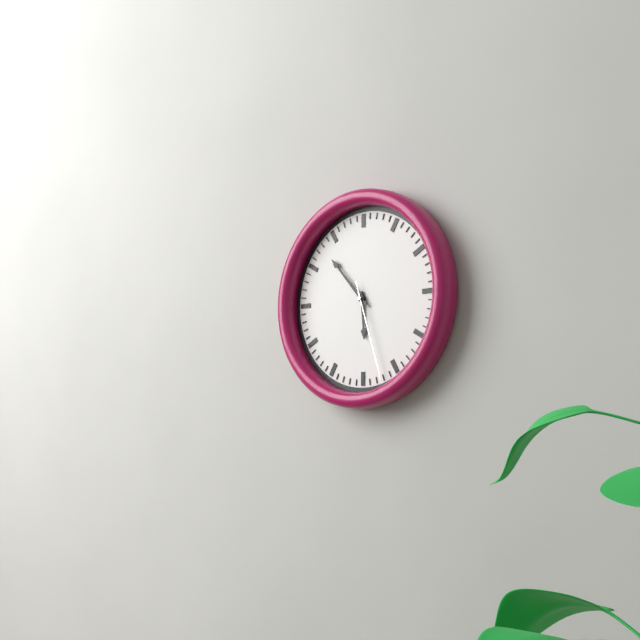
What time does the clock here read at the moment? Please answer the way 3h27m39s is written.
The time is 5h53m27s
